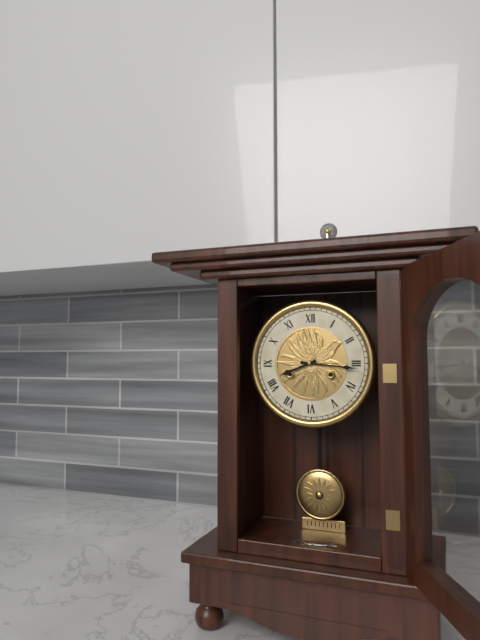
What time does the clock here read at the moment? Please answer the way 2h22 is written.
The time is 8h16
